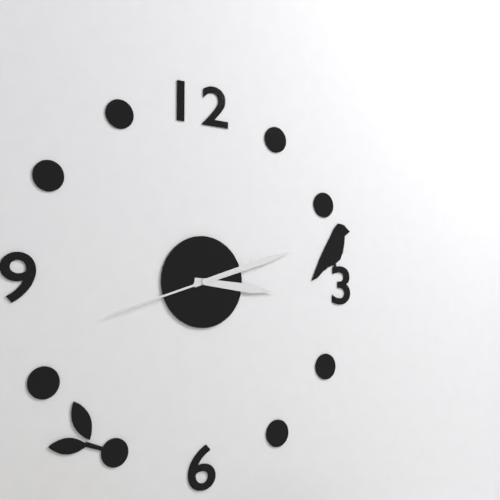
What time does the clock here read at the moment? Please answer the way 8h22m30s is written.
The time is 3h12m42s
